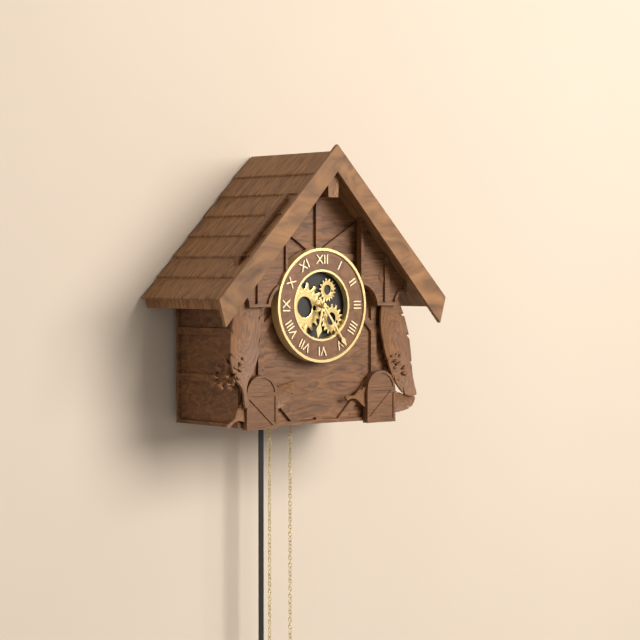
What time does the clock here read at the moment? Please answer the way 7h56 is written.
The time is 6h24
